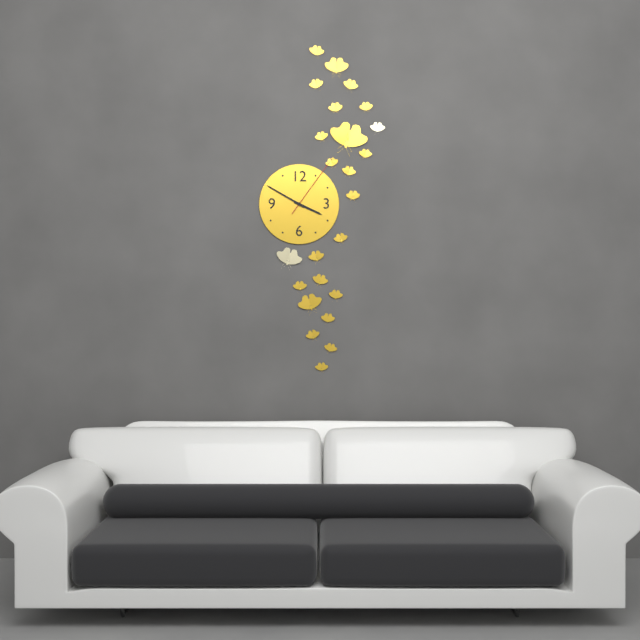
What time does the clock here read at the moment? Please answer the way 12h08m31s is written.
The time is 3h50m06s
